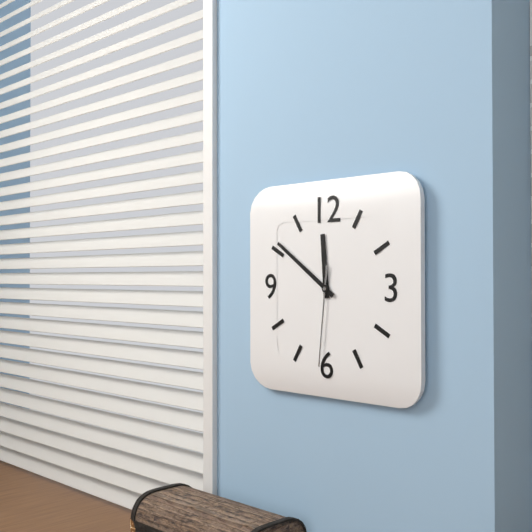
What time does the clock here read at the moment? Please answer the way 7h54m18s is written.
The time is 11h51m31s
